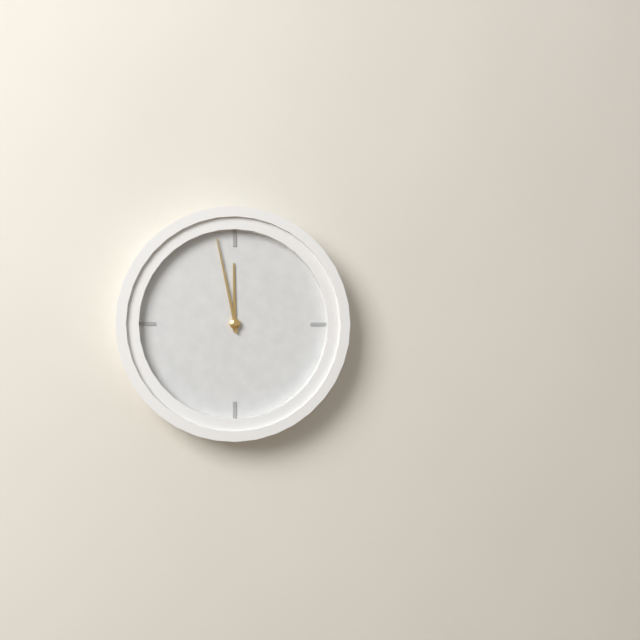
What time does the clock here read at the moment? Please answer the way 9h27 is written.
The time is 11h58
